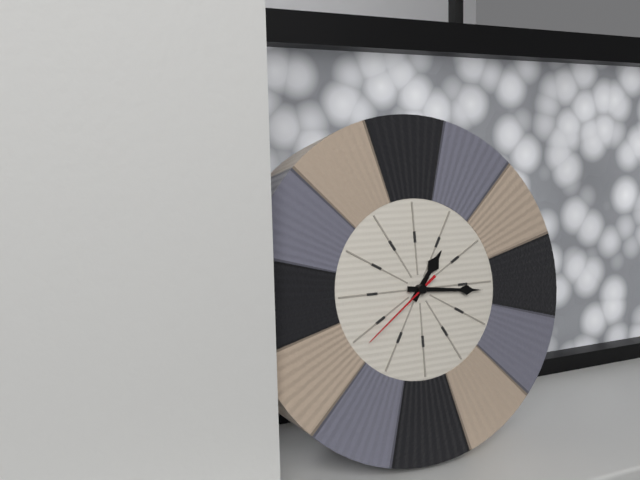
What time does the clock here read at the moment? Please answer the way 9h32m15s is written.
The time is 1h16m39s
